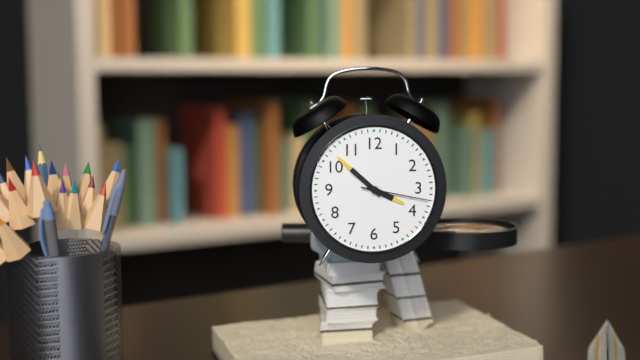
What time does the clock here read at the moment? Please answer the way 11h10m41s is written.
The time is 3h52m17s
